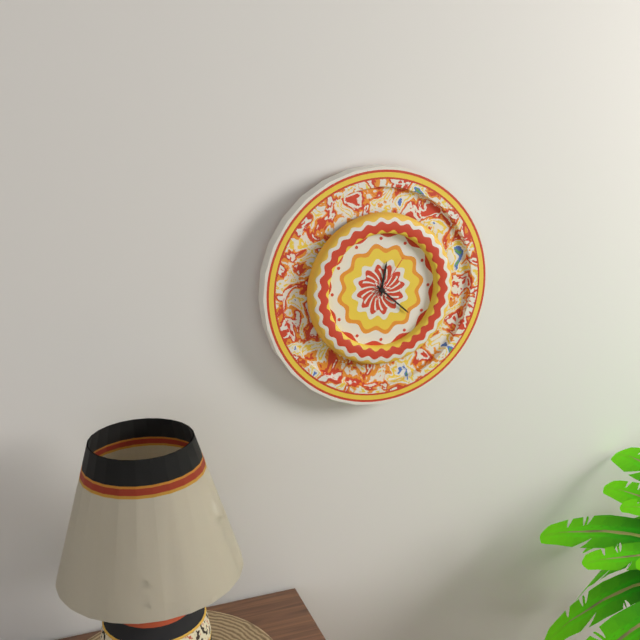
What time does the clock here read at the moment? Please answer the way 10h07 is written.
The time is 12h22
